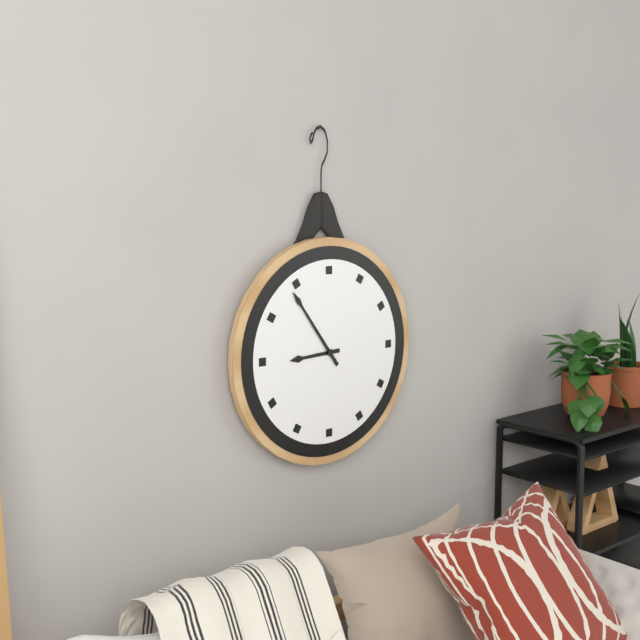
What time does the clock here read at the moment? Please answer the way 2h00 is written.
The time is 8h54
